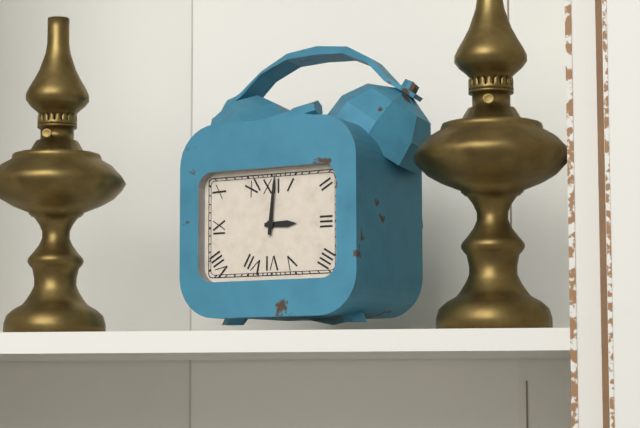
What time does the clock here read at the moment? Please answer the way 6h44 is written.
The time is 3h01
